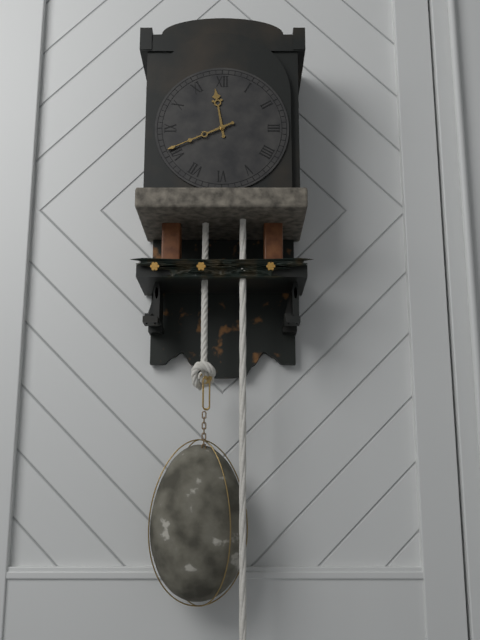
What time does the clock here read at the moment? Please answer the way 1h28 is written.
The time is 11h41
